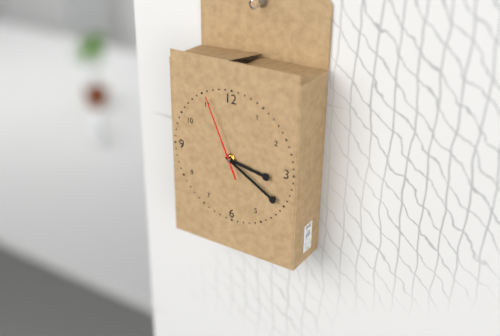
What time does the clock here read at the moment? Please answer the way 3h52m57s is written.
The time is 3h20m56s
